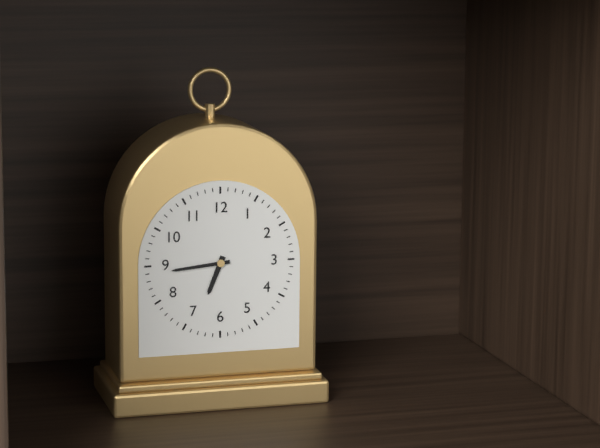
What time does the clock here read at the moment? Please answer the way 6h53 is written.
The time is 6h44
